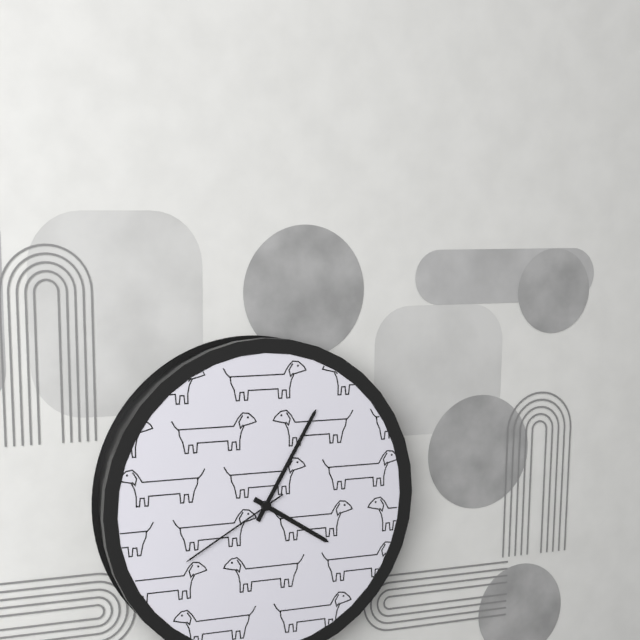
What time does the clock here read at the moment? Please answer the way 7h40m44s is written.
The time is 4h05m40s
